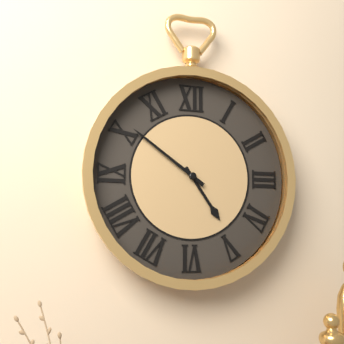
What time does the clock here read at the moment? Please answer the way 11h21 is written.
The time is 4h51
